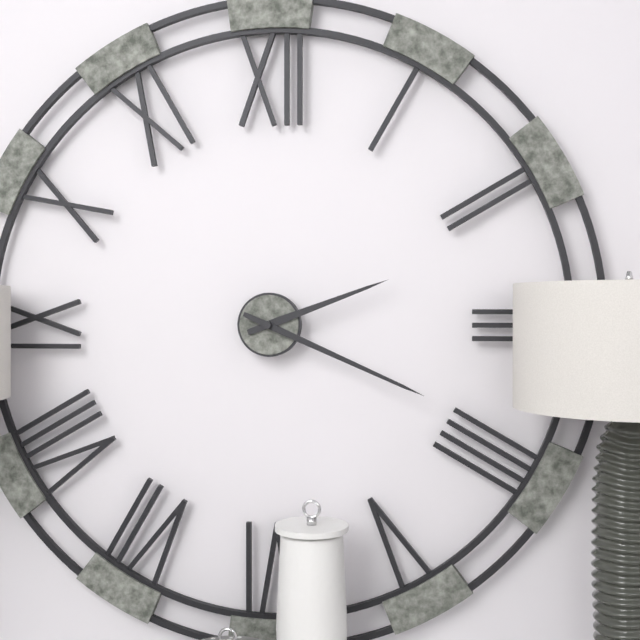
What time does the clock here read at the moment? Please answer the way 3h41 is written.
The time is 2h19
